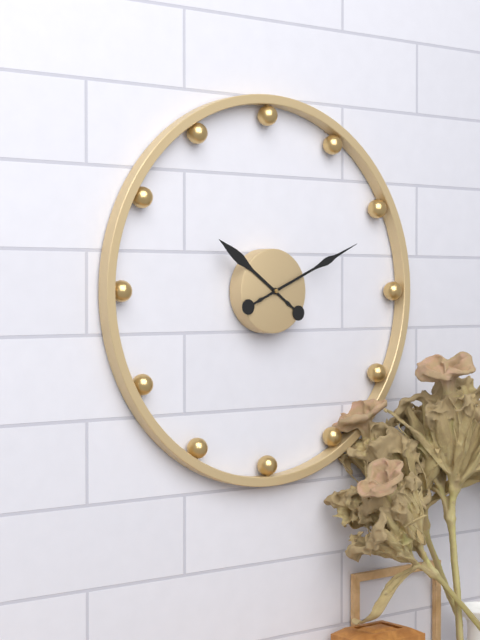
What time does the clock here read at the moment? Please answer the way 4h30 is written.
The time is 10h11
